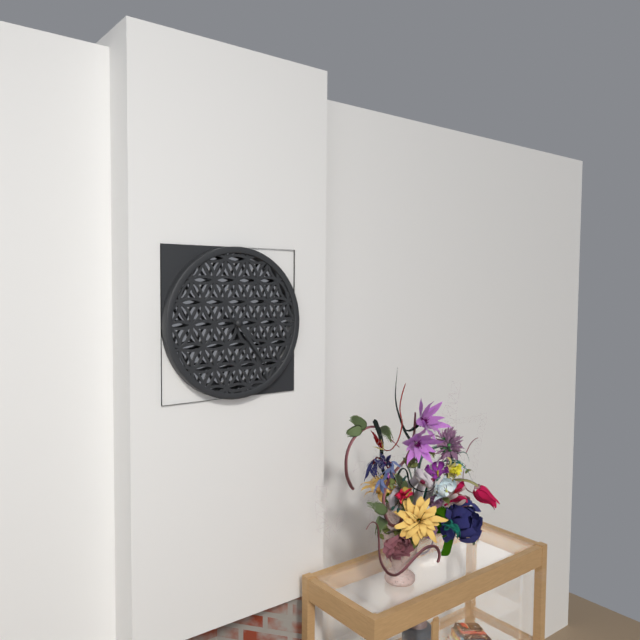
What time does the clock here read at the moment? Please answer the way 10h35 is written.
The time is 4h24
